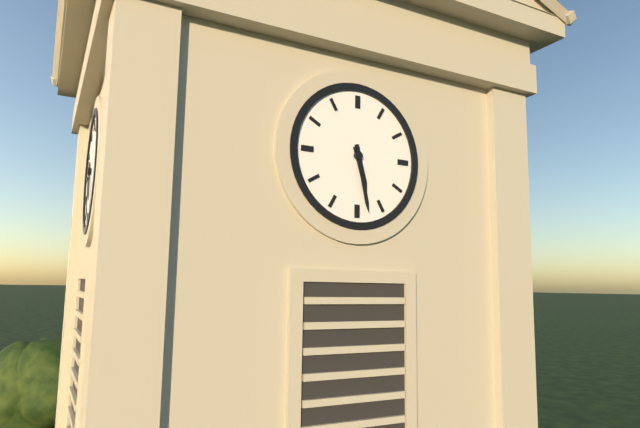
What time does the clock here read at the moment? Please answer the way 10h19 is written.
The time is 5h28
